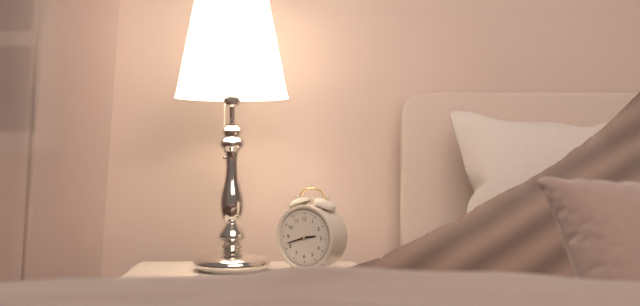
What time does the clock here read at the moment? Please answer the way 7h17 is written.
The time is 2h42
